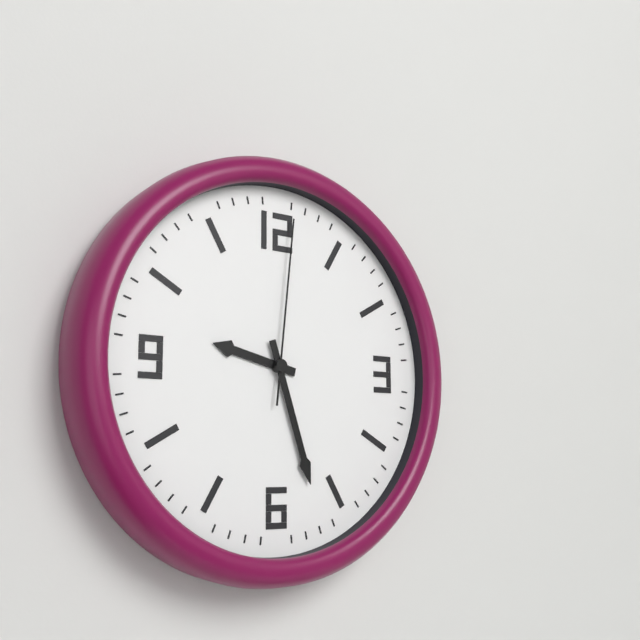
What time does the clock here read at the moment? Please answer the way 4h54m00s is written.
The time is 9h27m01s
